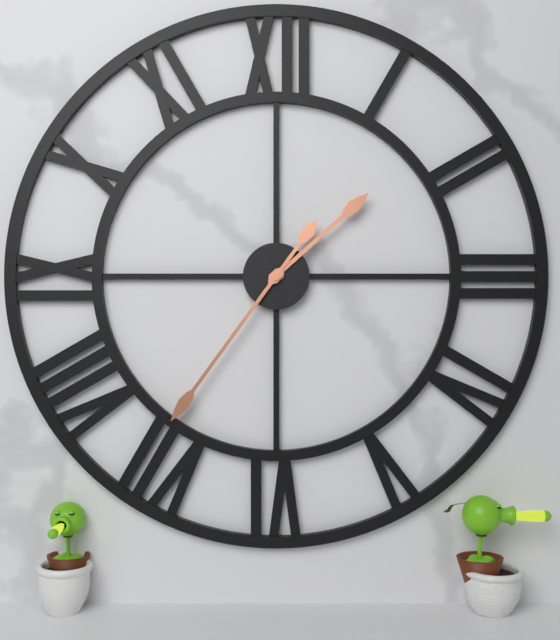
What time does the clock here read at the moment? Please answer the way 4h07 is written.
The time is 1h36
